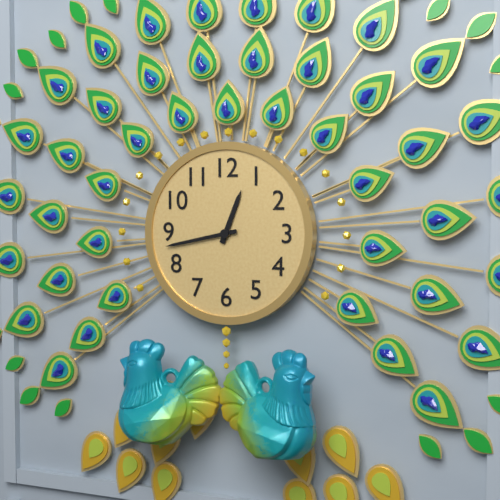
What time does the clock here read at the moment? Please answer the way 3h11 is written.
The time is 12h43
